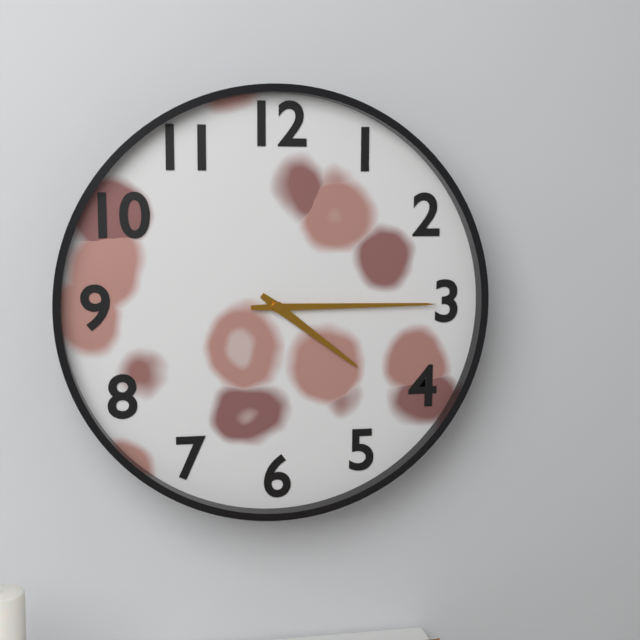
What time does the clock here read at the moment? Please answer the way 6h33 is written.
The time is 4h15
